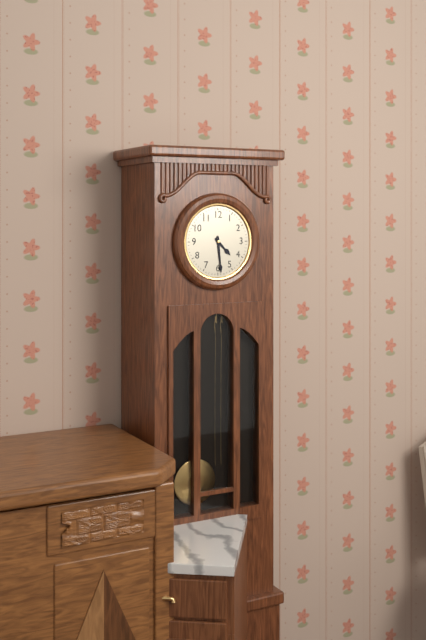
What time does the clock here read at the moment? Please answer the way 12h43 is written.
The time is 4h29
